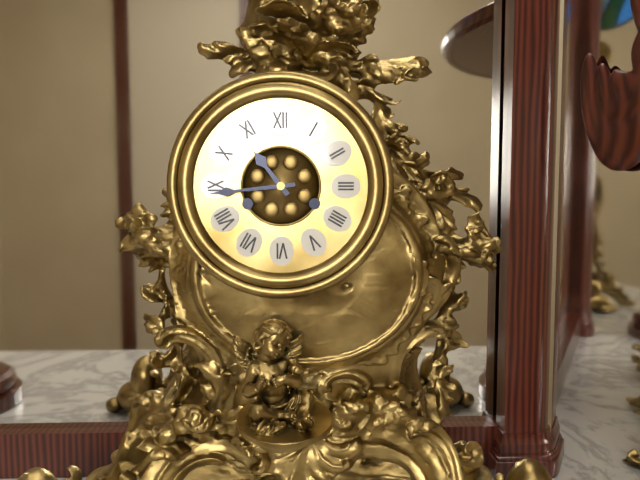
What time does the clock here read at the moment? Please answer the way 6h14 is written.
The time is 10h44
